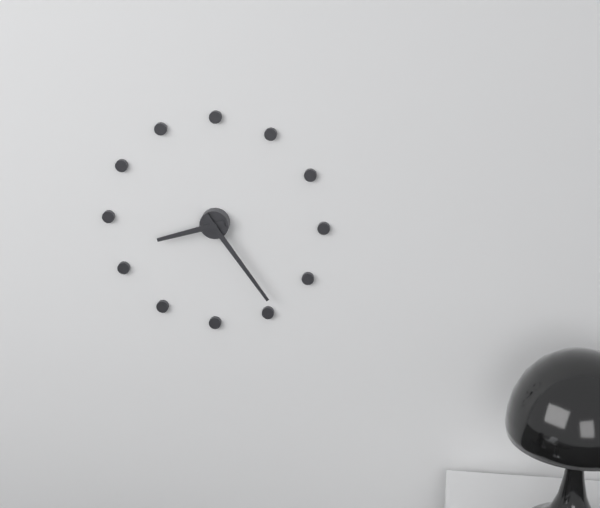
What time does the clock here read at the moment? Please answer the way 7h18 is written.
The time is 8h24
